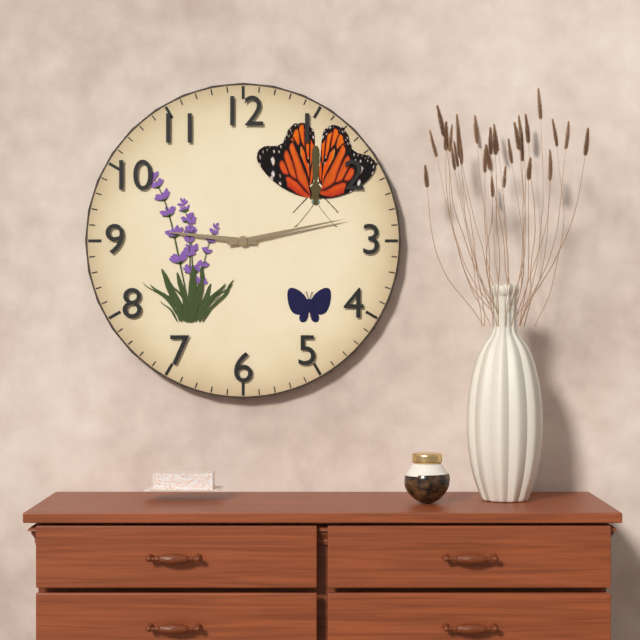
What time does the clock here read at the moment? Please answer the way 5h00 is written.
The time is 9h13
